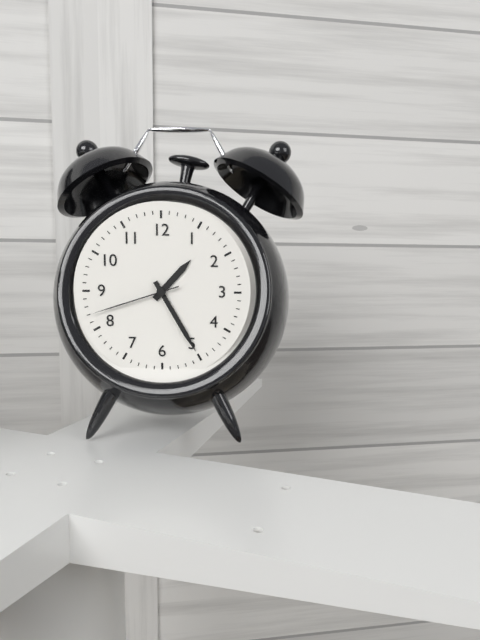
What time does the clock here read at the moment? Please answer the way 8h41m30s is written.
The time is 1h25m42s
